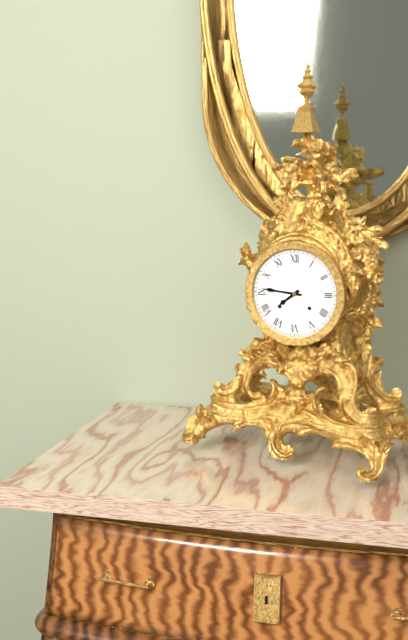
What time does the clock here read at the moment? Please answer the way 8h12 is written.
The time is 7h46
